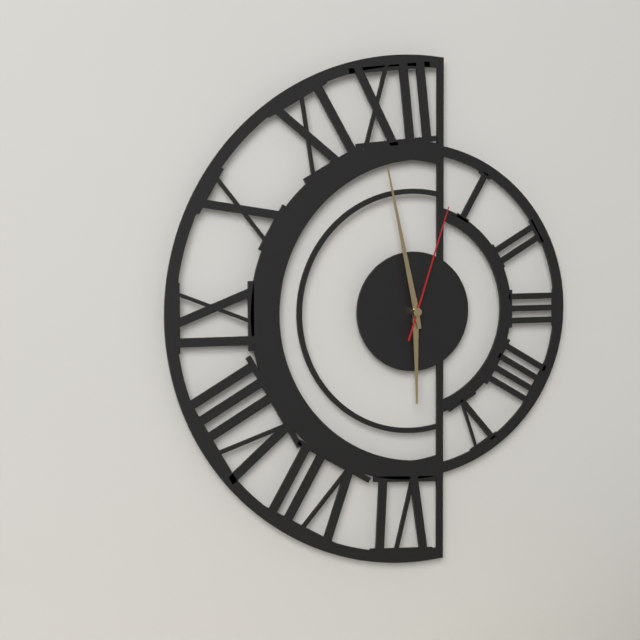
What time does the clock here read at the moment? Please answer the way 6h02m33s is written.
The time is 5h58m03s
